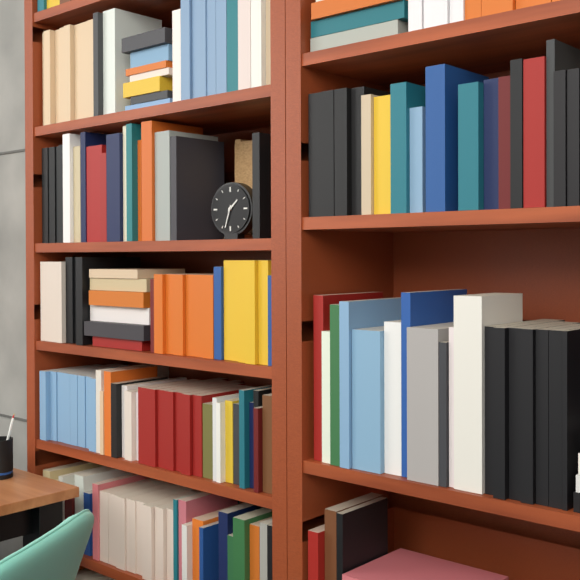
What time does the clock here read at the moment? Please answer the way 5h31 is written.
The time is 1h33
